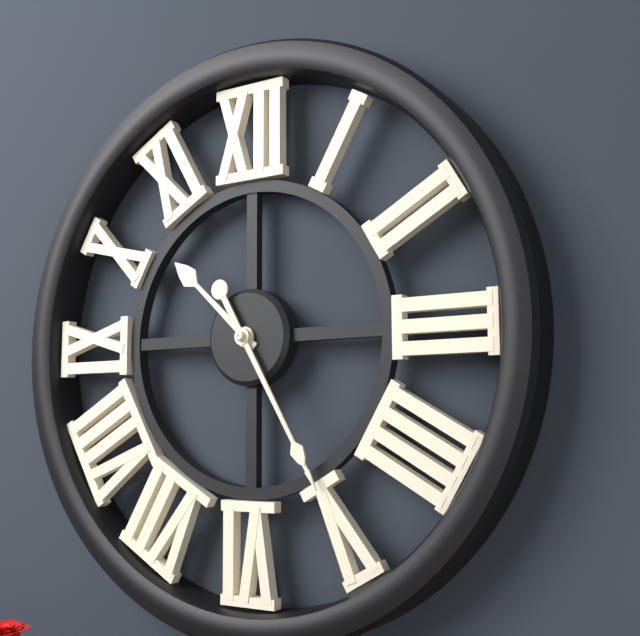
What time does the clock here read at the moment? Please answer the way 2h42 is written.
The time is 10h25
